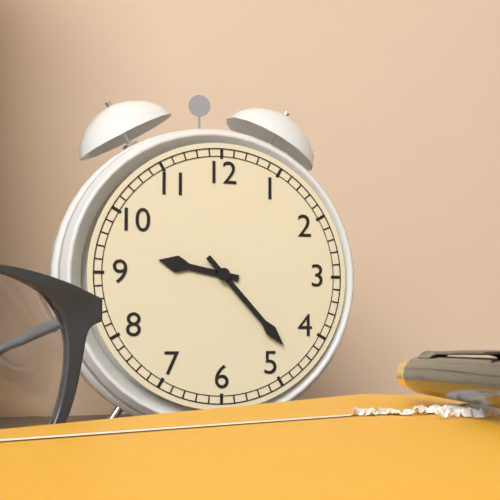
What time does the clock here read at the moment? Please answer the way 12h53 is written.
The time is 9h23
